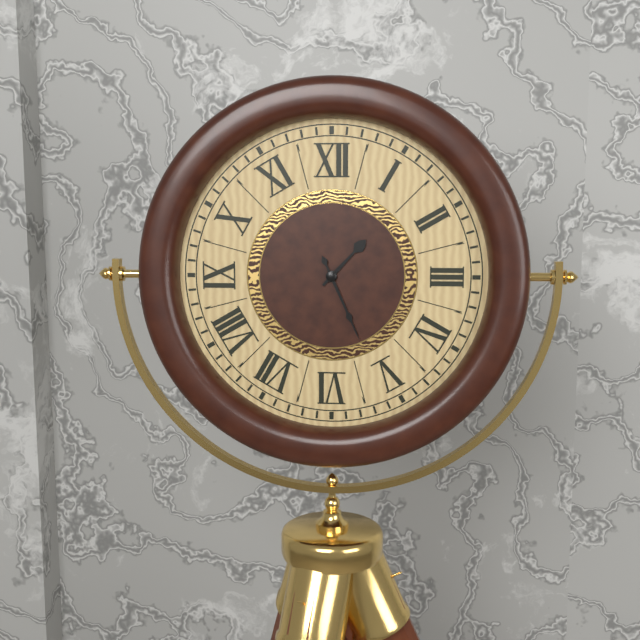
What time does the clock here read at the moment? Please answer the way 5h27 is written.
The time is 1h26
